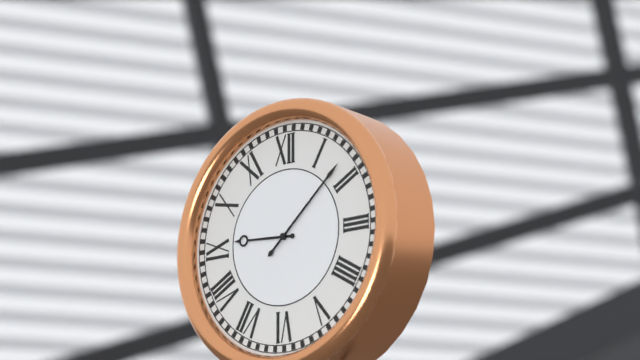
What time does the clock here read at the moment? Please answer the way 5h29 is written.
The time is 9h08
